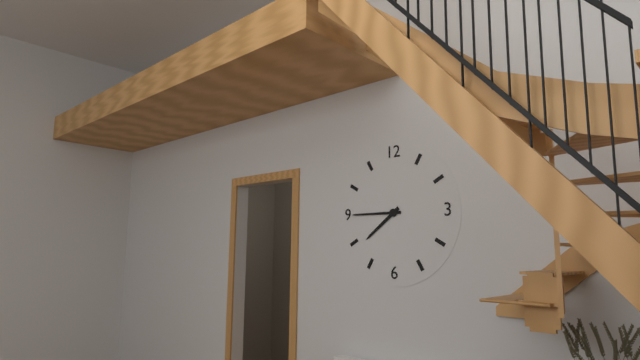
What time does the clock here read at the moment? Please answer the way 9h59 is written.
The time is 7h45
